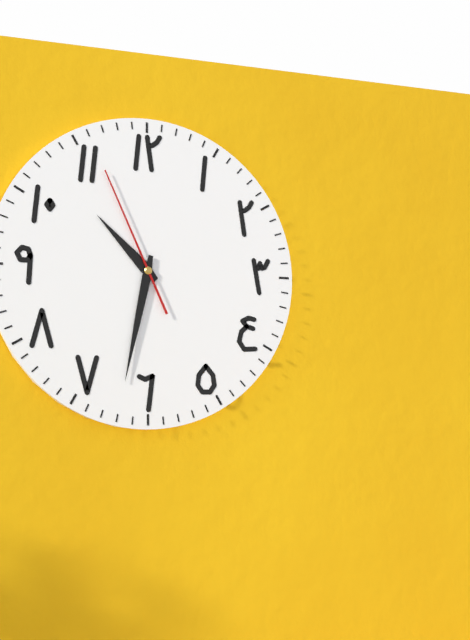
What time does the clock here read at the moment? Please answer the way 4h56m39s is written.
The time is 10h32m56s
